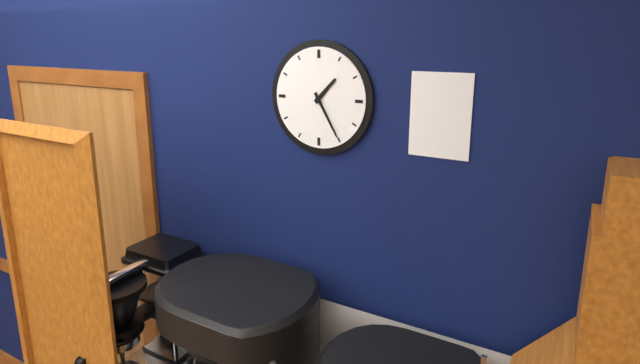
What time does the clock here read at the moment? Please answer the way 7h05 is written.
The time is 1h25
